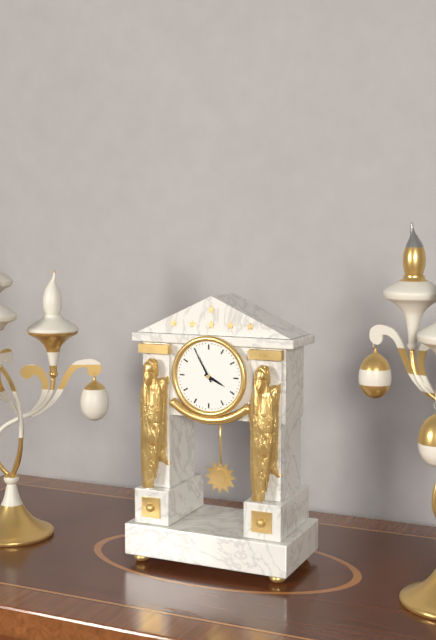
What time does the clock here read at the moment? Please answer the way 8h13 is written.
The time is 3h55
